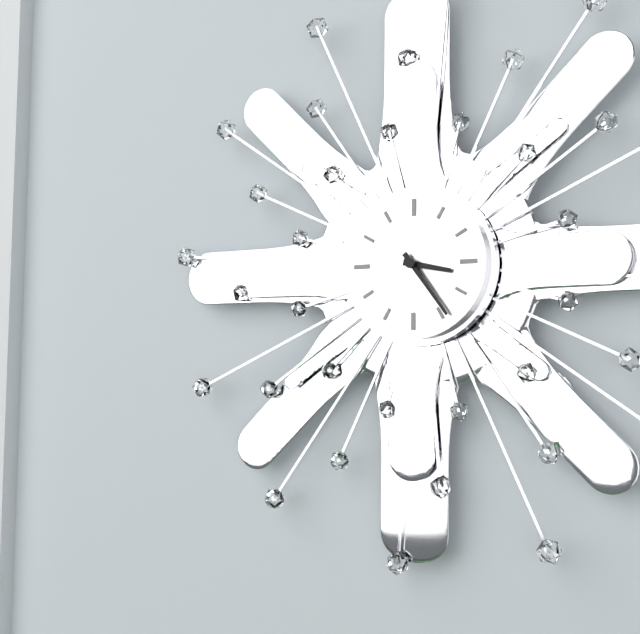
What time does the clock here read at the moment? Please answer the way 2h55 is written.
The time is 3h24
